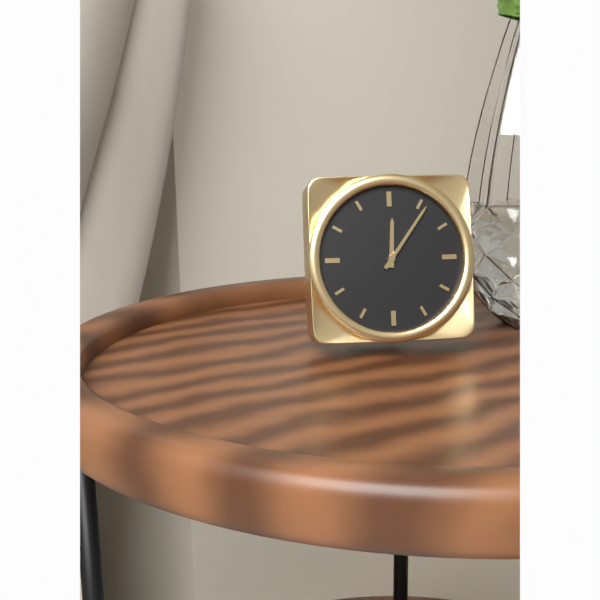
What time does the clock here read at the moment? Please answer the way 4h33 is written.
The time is 12h06
